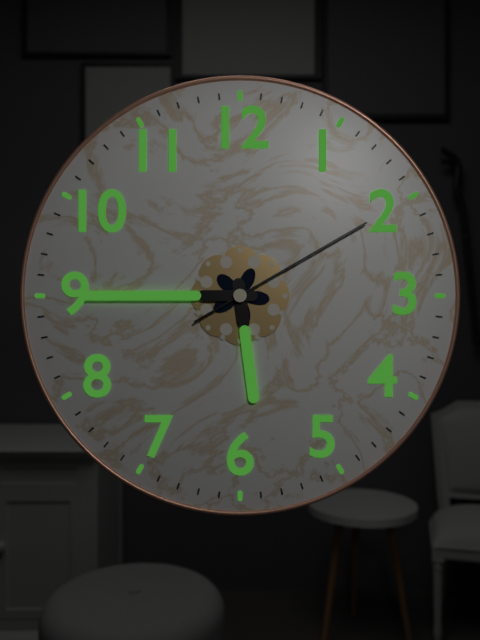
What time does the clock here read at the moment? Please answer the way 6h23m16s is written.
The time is 5h45m10s
